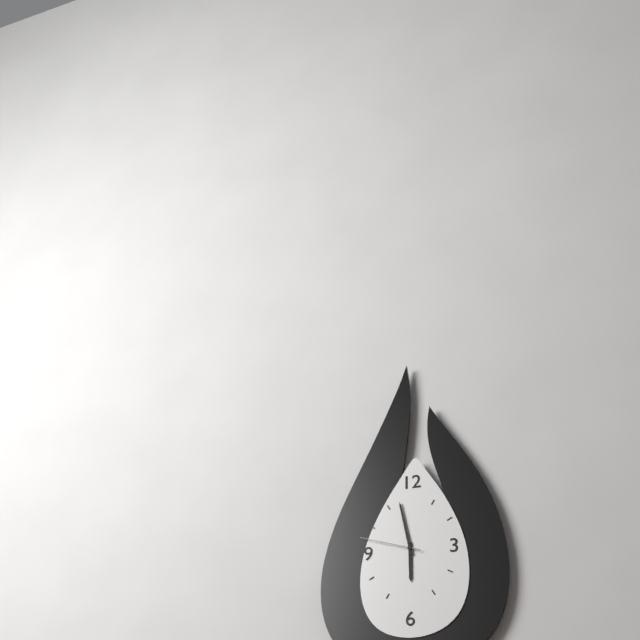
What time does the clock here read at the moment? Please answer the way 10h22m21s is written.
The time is 5h58m48s
